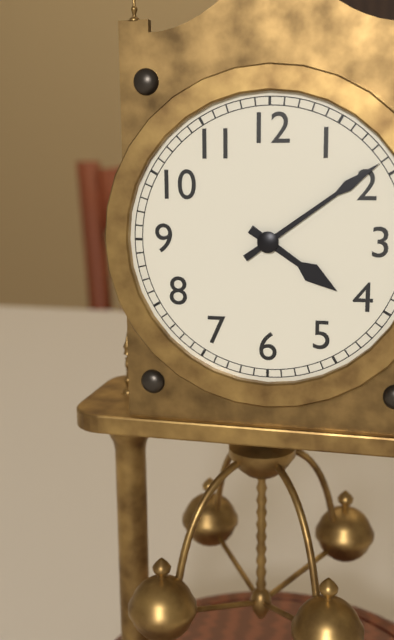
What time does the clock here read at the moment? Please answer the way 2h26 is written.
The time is 4h09
